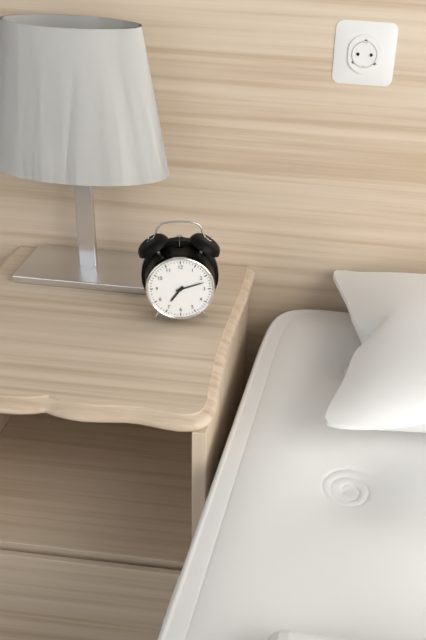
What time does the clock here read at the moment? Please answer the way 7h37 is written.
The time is 7h12
